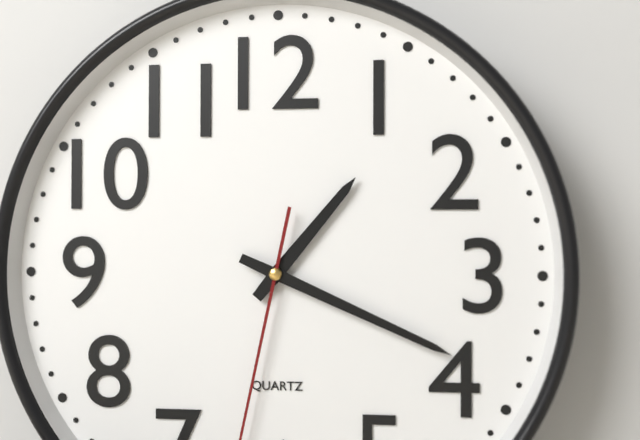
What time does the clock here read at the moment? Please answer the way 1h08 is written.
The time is 1h19
